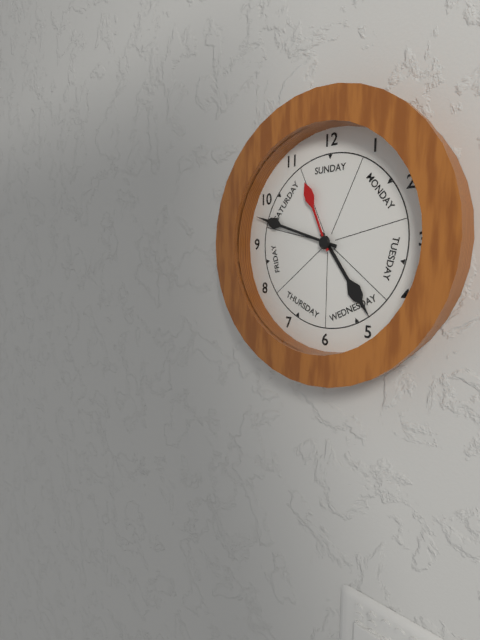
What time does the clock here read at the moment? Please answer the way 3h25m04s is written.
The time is 4h48m56s
